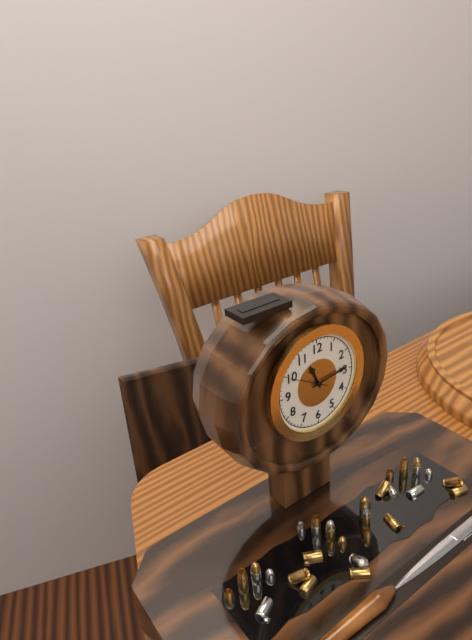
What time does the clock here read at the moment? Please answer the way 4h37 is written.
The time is 11h14
